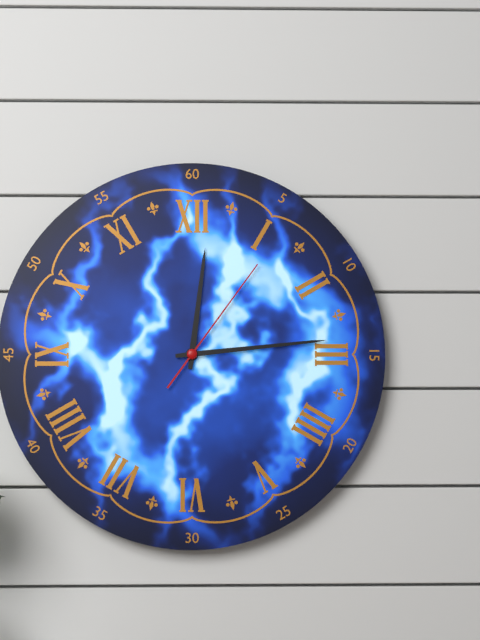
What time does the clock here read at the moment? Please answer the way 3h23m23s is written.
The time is 12h14m06s
